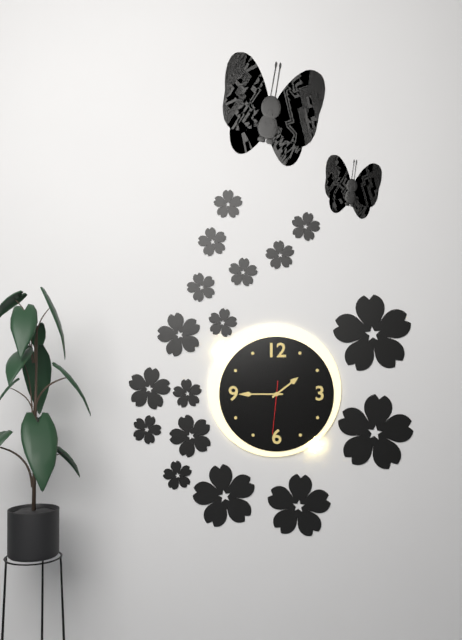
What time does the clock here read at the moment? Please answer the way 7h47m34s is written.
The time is 1h45m31s
